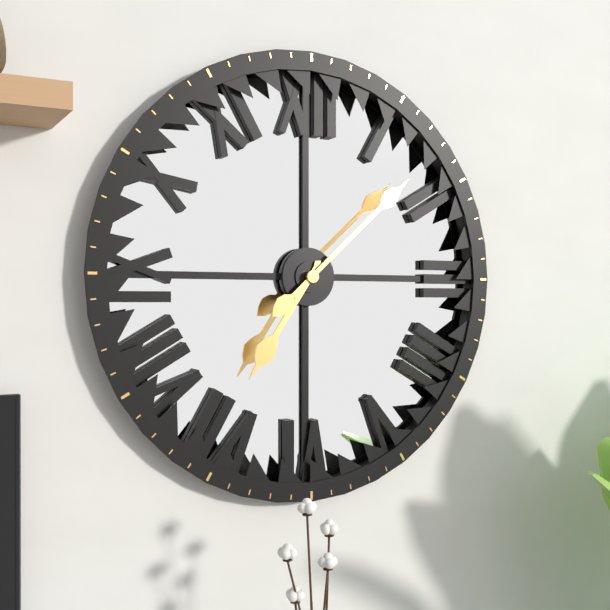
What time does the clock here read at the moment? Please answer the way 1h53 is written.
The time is 7h08
